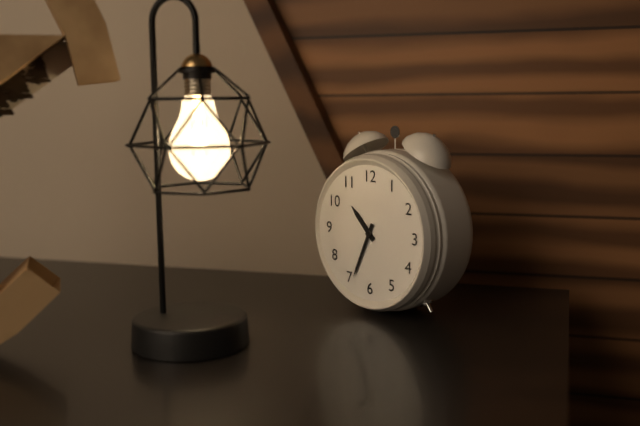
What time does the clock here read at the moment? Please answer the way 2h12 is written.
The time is 10h34
